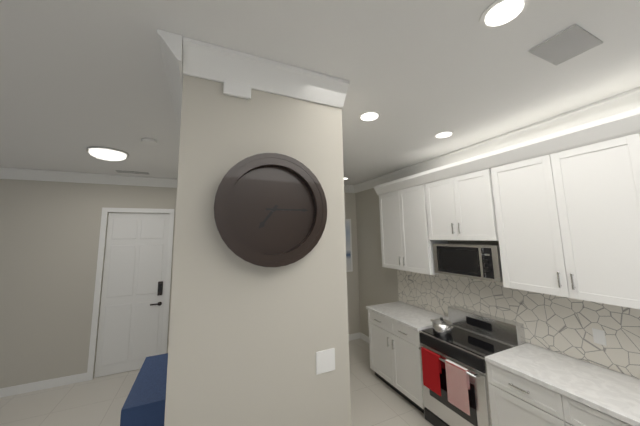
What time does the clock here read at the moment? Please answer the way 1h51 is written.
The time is 7h15
